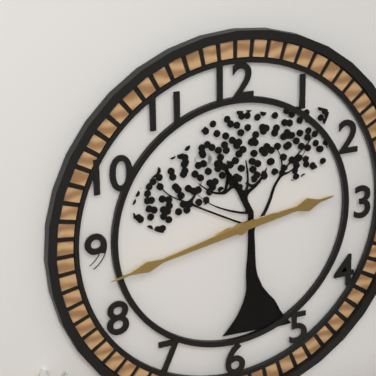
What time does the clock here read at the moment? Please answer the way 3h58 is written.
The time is 2h43
